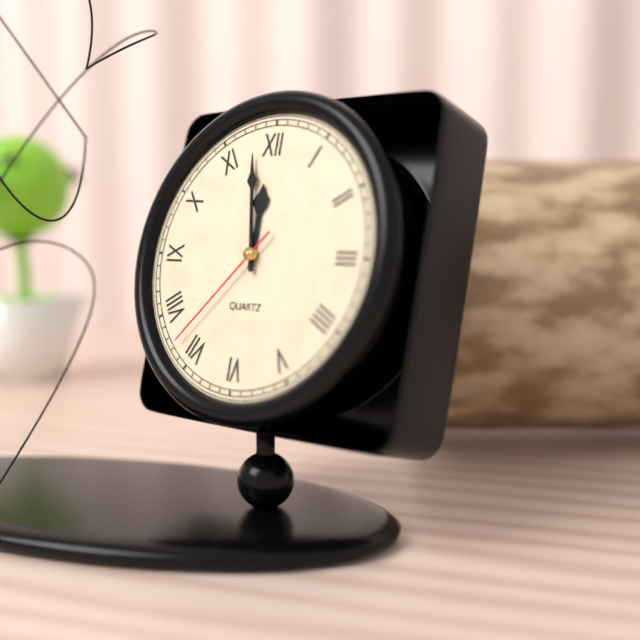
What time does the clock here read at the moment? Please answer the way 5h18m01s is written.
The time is 11h58m37s
